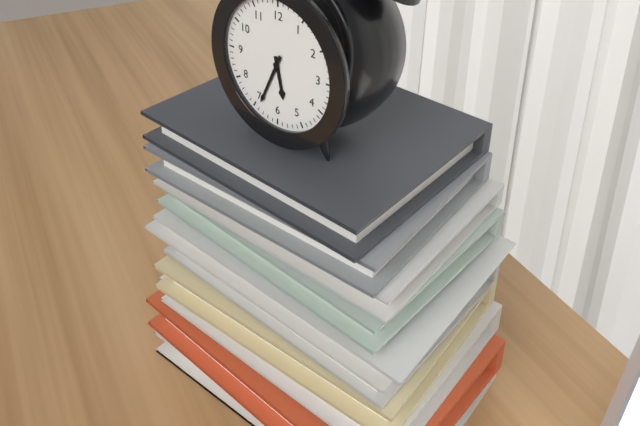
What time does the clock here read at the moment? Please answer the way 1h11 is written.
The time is 5h34
